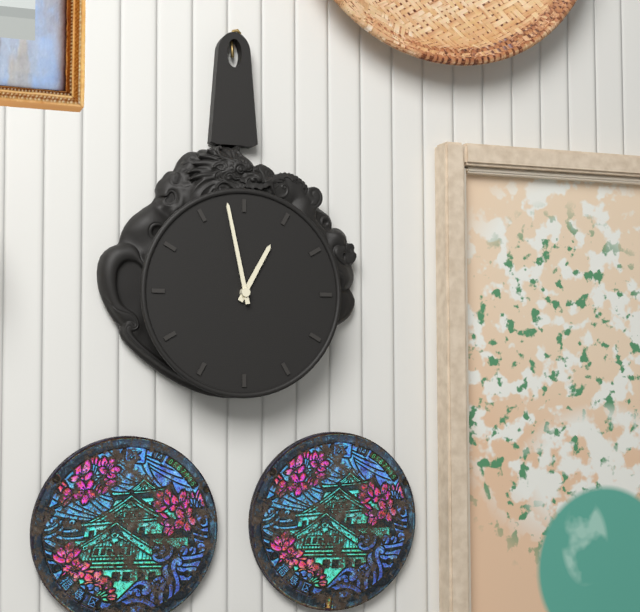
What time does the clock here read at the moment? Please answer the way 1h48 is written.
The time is 12h58
